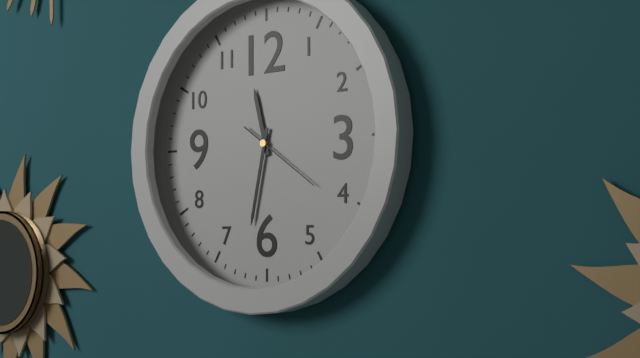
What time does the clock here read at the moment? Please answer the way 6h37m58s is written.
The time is 11h32m21s
